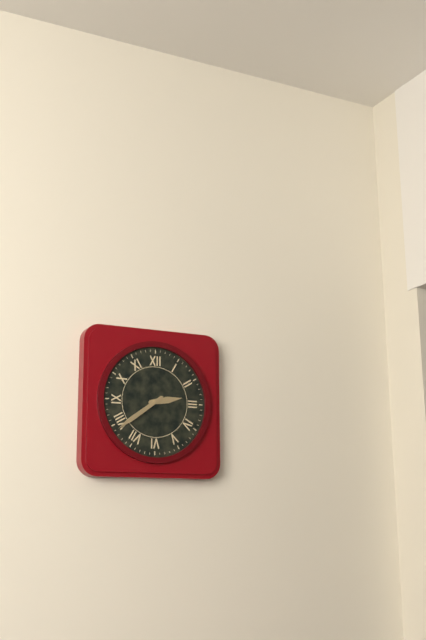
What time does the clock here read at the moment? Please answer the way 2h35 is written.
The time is 2h39
